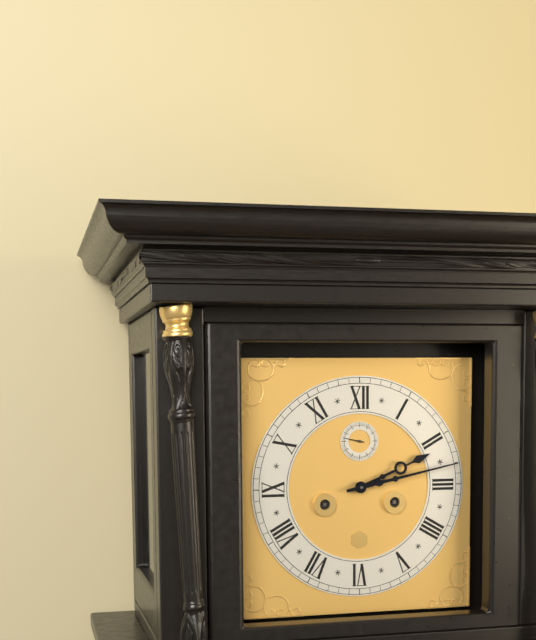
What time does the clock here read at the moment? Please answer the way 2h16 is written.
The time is 2h13
